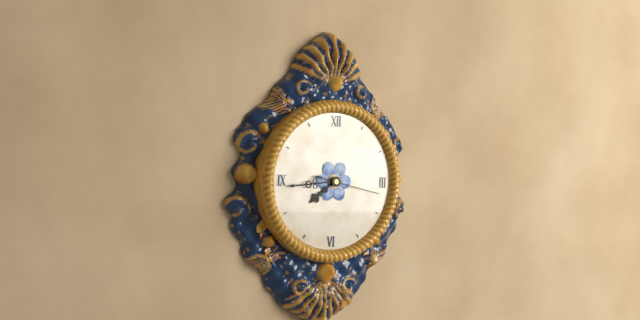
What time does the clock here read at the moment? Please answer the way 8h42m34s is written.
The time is 7h44m17s
